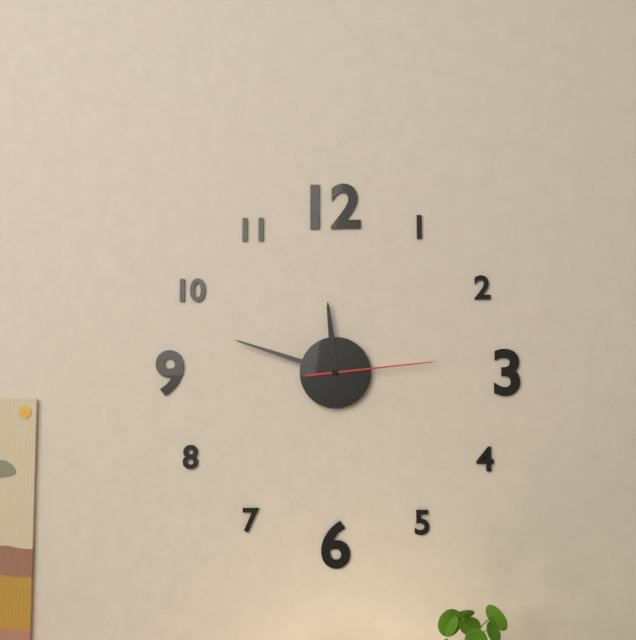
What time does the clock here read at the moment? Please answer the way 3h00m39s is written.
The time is 11h48m14s
